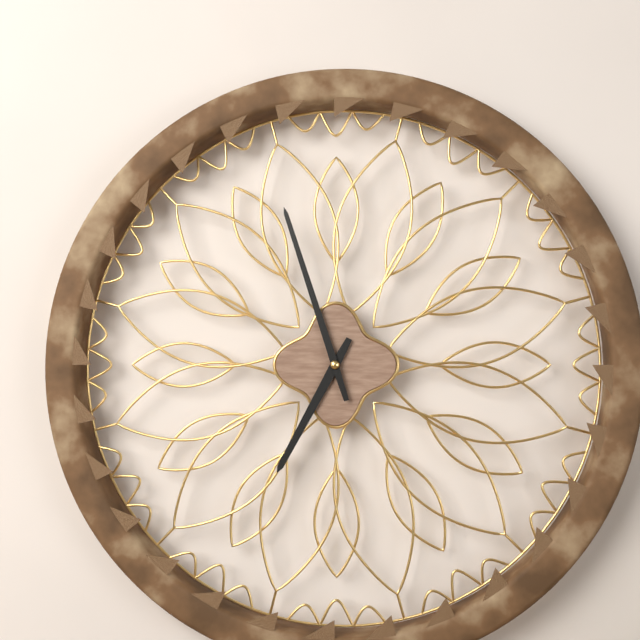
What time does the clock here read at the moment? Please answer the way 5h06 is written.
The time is 6h57
